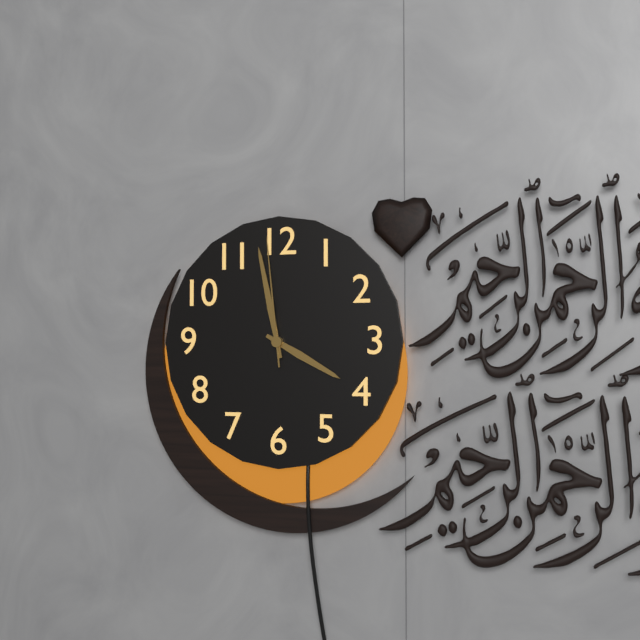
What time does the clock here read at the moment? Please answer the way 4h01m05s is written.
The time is 3h58m59s
